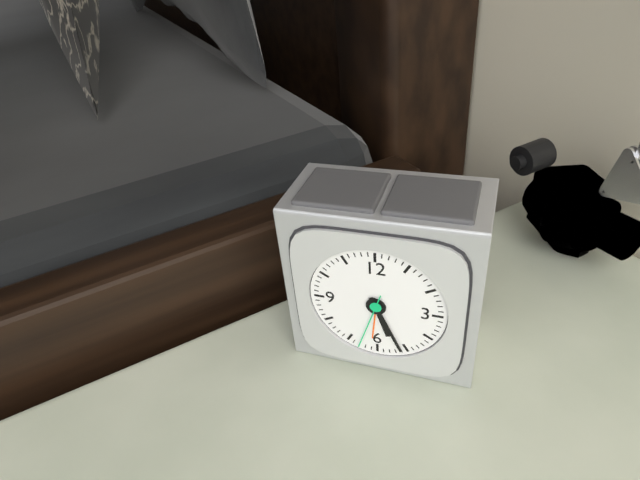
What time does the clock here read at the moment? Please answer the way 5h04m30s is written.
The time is 5h26m33s
